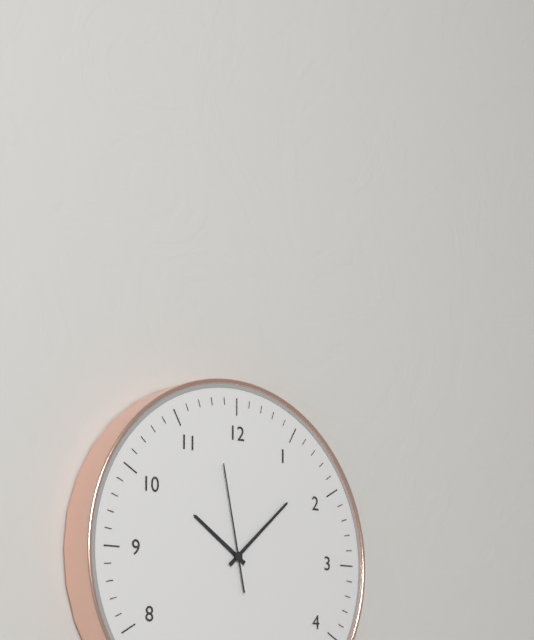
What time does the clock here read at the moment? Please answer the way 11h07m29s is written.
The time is 10h08m58s
